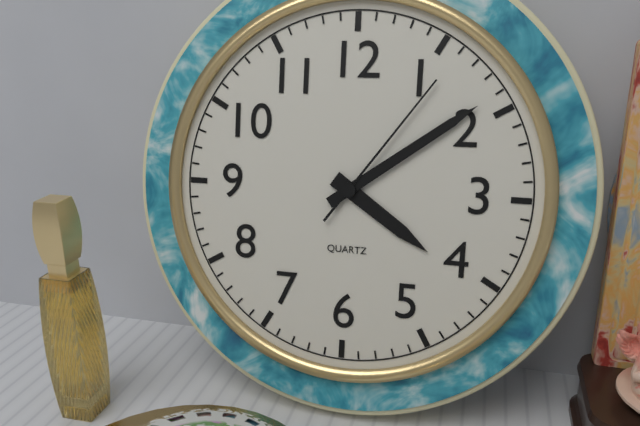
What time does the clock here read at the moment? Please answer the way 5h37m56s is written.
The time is 4h09m06s
